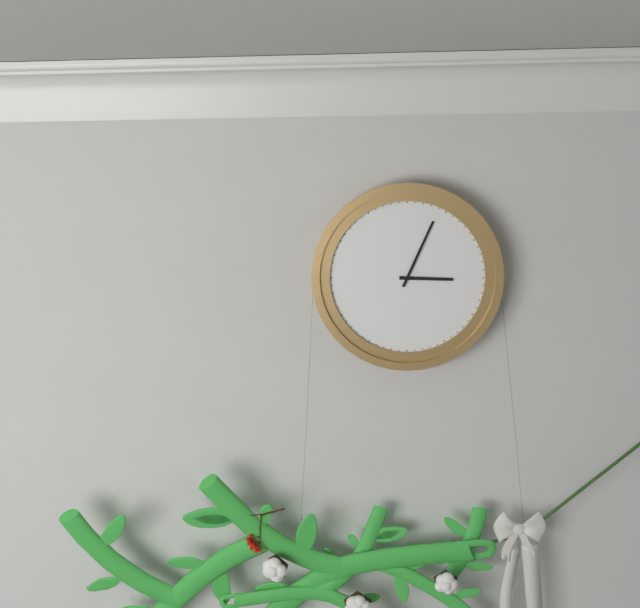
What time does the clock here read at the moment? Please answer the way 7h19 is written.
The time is 3h04
